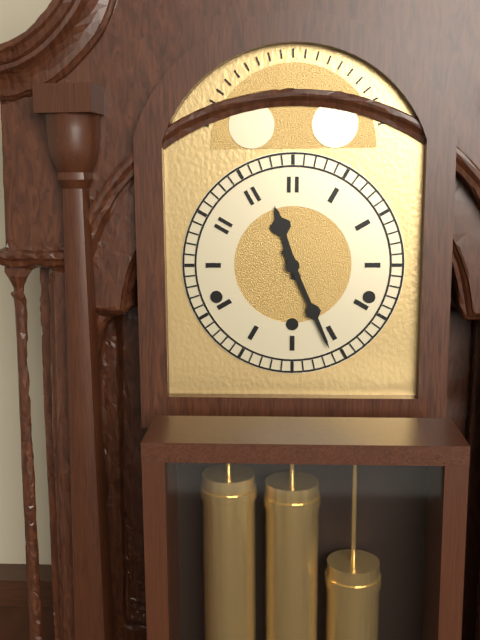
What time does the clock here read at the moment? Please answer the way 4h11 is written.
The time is 11h26
